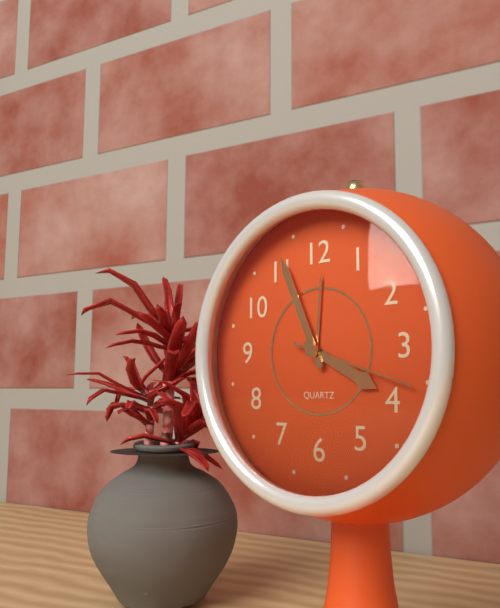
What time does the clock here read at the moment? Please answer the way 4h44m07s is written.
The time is 3h56m18s
